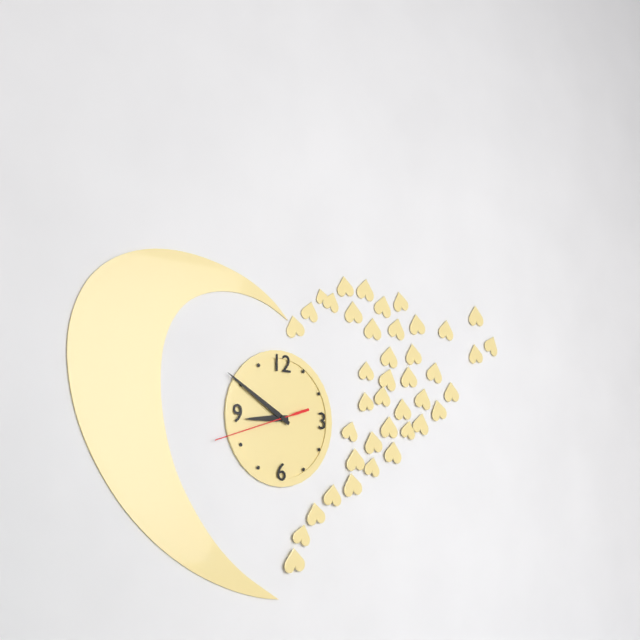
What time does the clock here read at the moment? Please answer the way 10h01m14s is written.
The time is 8h50m42s
